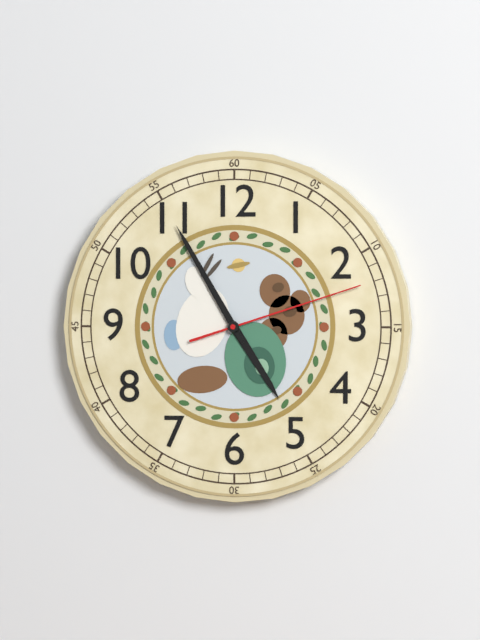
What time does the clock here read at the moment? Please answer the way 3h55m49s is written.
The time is 4h55m12s
